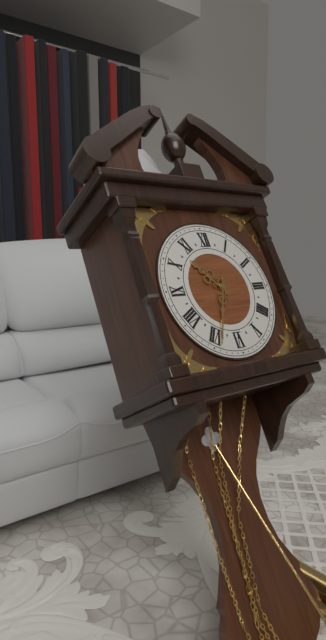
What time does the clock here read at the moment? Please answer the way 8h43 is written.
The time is 10h34
